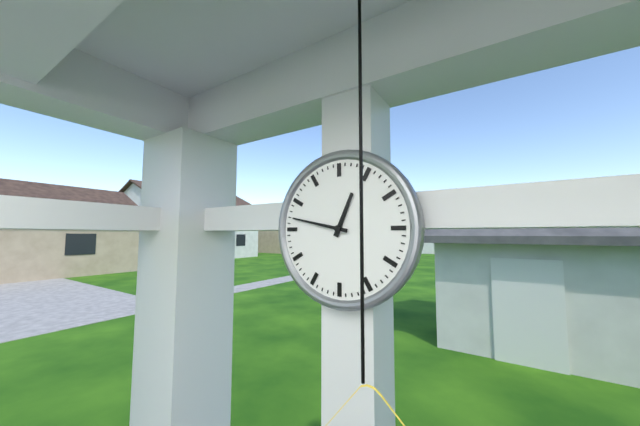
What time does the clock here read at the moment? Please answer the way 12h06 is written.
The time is 12h47
